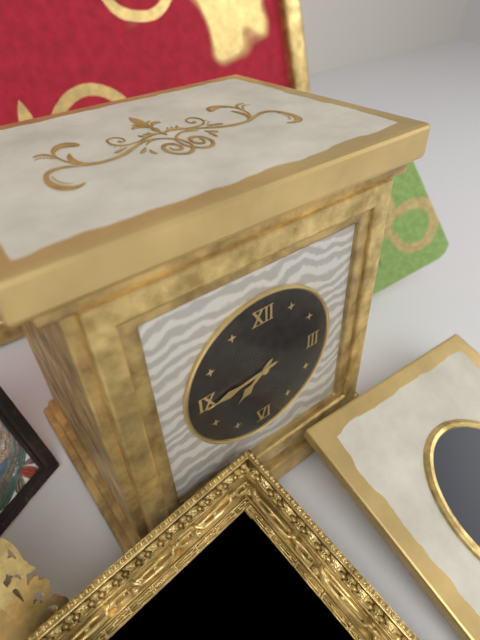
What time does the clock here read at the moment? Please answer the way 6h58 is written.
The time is 7h44
